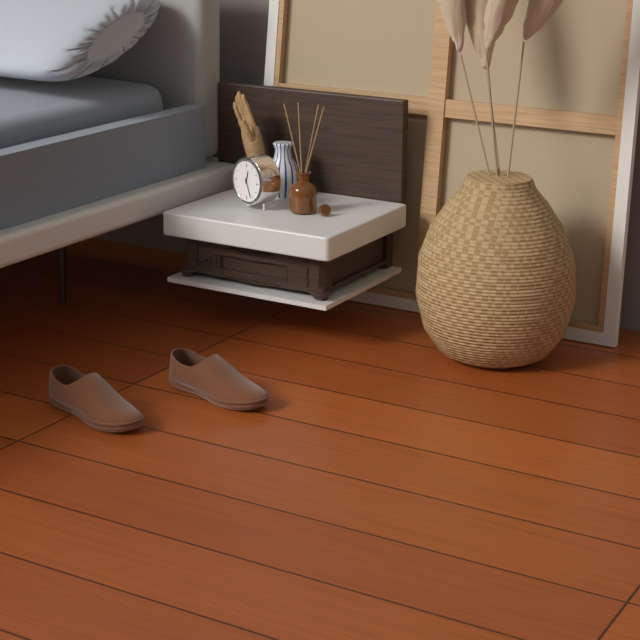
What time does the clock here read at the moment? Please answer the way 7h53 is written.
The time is 12h26
